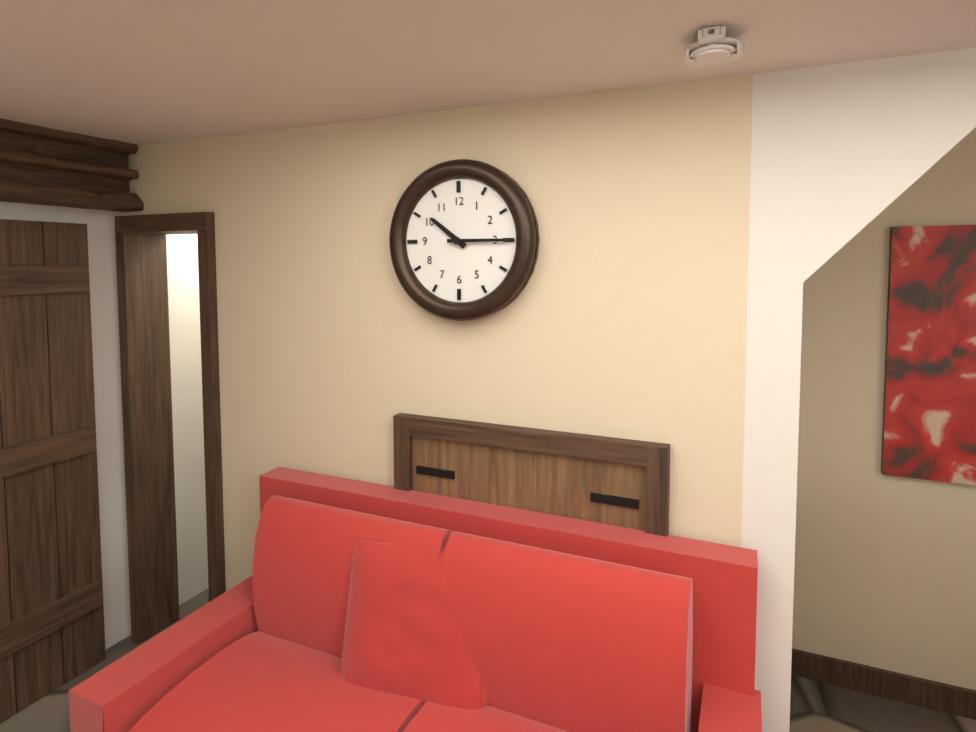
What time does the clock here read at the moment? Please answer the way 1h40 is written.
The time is 10h15
